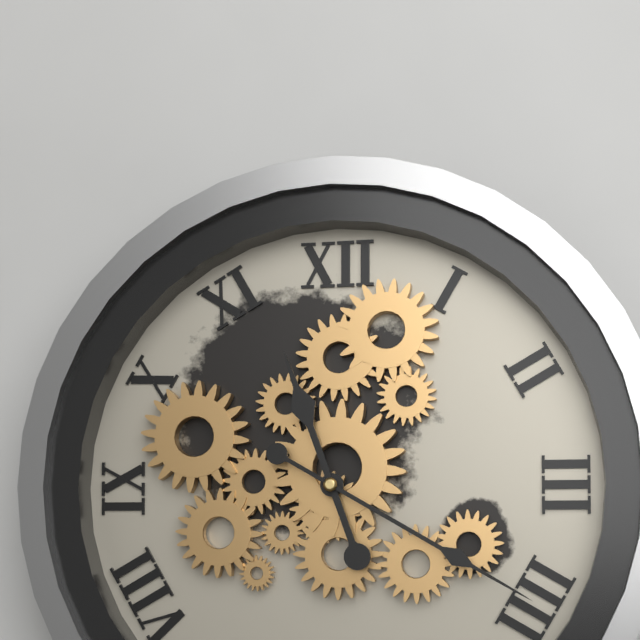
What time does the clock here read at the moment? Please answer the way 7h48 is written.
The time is 11h20
